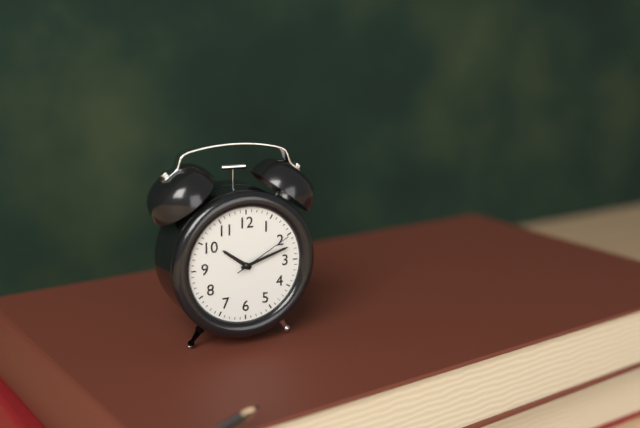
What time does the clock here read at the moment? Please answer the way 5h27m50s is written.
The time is 10h12m10s
